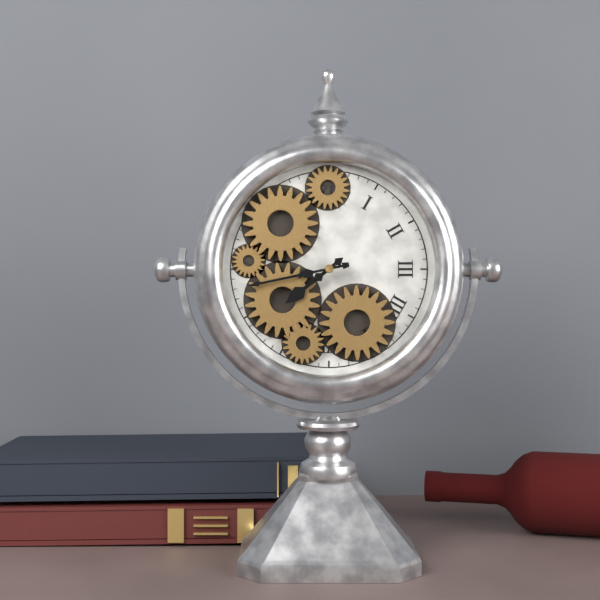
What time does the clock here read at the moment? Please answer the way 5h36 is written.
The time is 7h43
